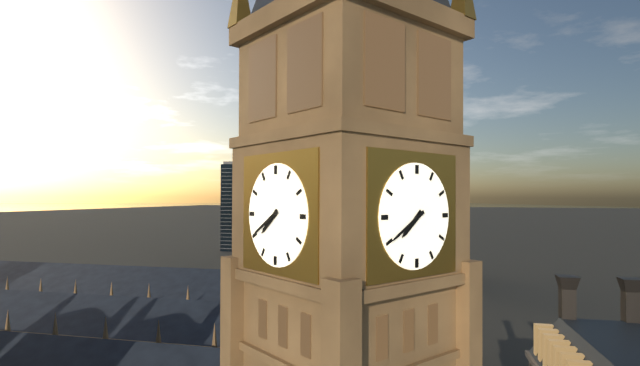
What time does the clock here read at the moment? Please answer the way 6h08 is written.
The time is 7h40
